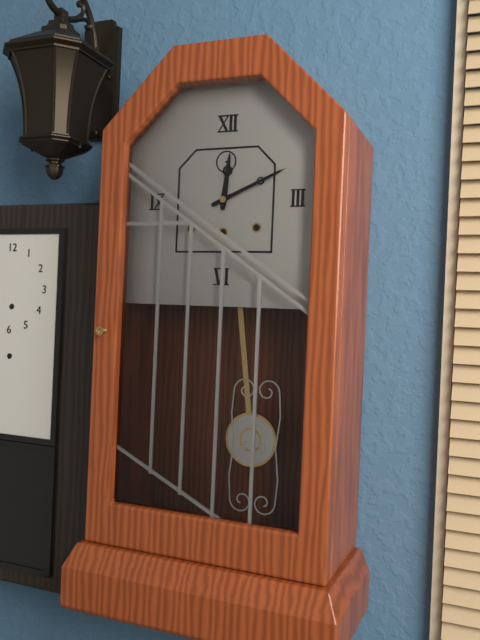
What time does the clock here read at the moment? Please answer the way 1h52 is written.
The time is 12h11
